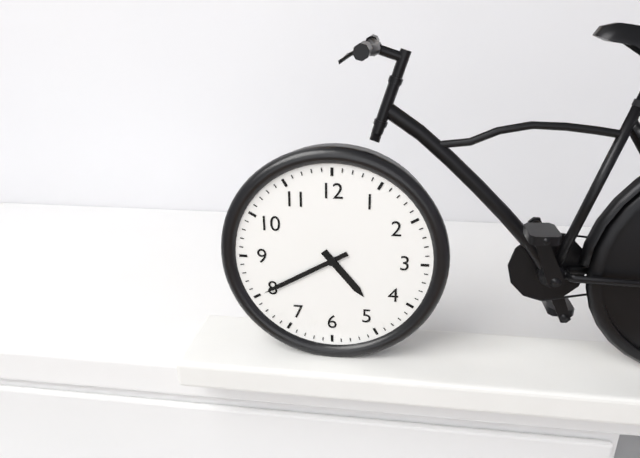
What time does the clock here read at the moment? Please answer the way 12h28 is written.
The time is 4h40
